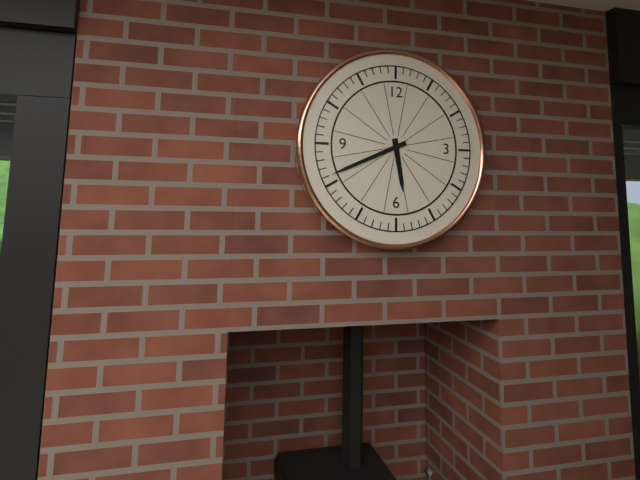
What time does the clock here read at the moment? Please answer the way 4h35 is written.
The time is 5h41
